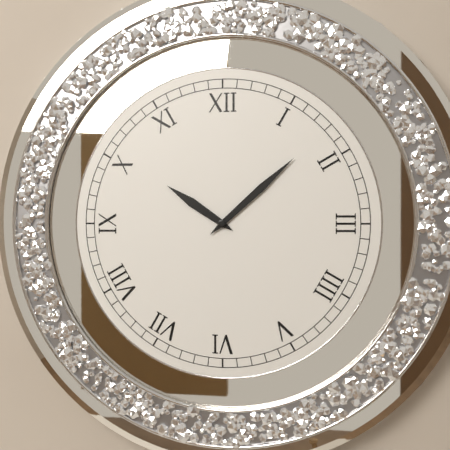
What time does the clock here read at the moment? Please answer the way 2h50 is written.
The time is 10h08
